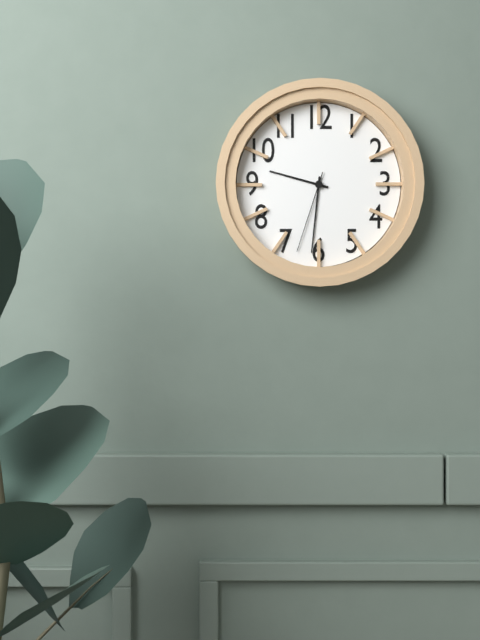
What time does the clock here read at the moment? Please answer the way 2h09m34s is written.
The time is 9h31m33s
